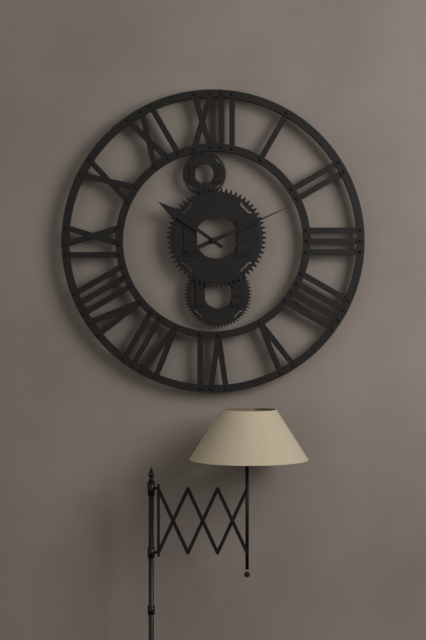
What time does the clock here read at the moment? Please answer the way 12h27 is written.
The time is 10h11
